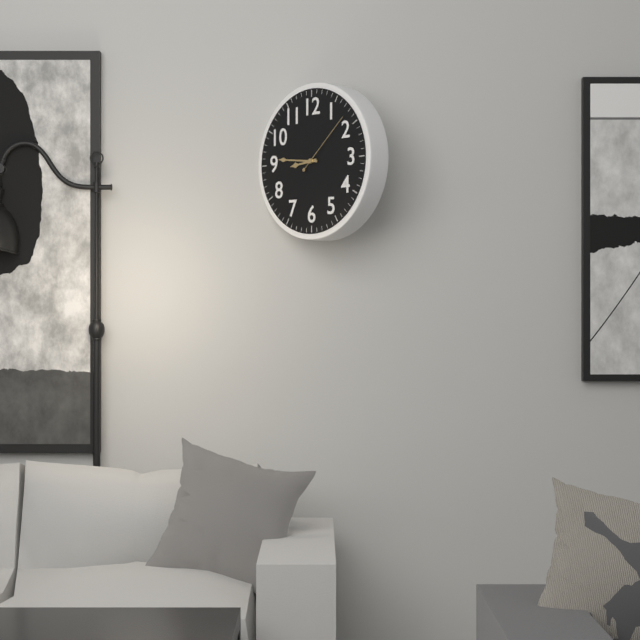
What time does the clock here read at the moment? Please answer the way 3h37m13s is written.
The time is 8h46m08s
